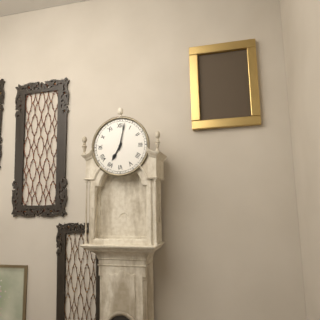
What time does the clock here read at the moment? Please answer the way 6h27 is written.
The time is 7h02
